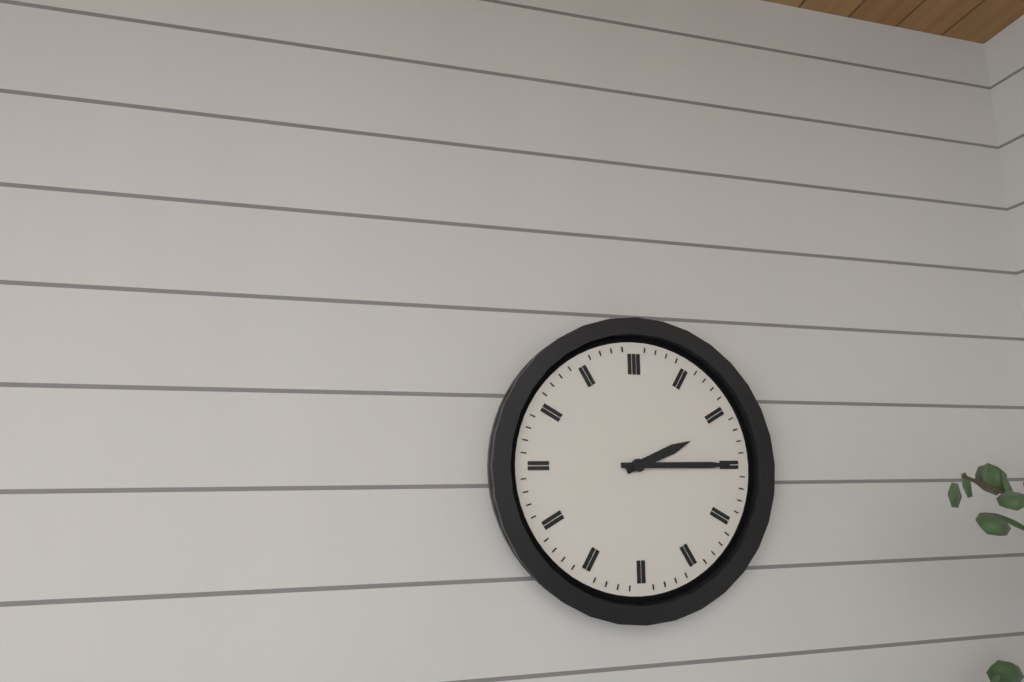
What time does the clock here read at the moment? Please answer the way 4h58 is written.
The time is 2h15
